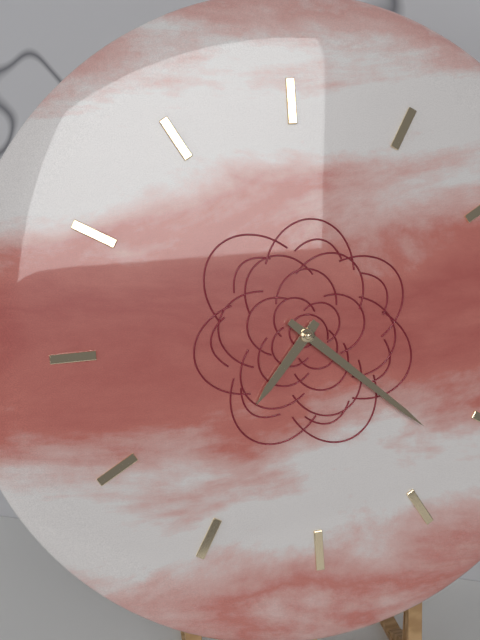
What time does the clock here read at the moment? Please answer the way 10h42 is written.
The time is 7h22
